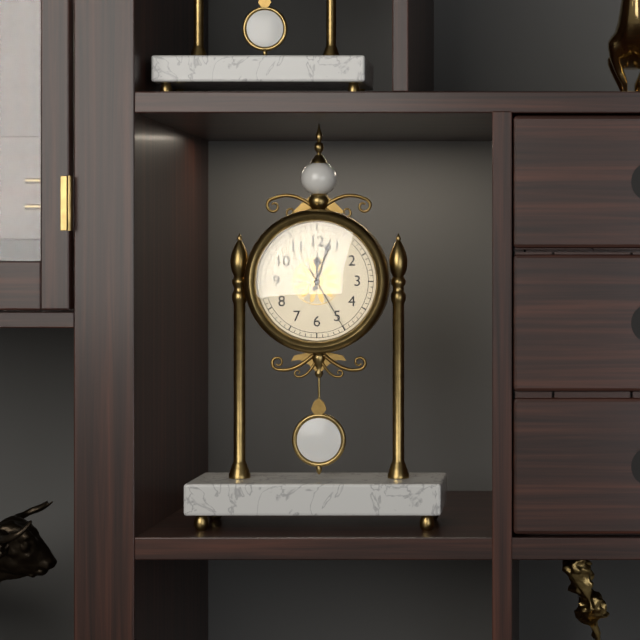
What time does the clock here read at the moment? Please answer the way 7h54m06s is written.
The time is 12h03m25s
